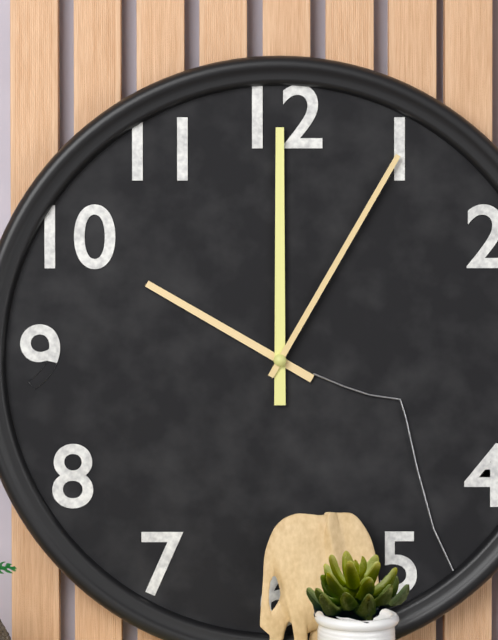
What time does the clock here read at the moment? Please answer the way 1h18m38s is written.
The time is 10h00m05s
